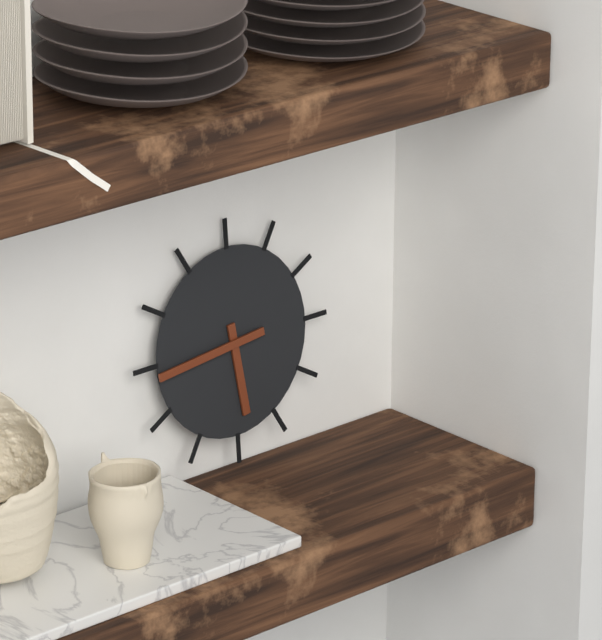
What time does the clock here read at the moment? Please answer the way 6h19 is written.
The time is 5h44
